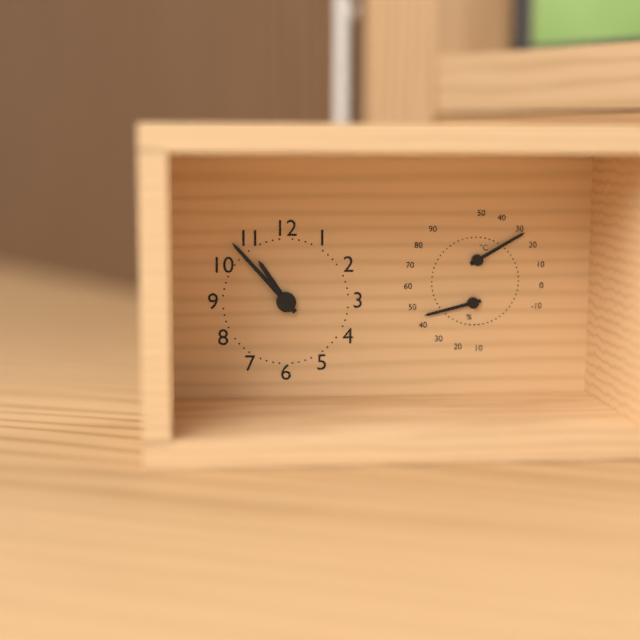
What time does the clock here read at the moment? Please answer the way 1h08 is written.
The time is 10h53
